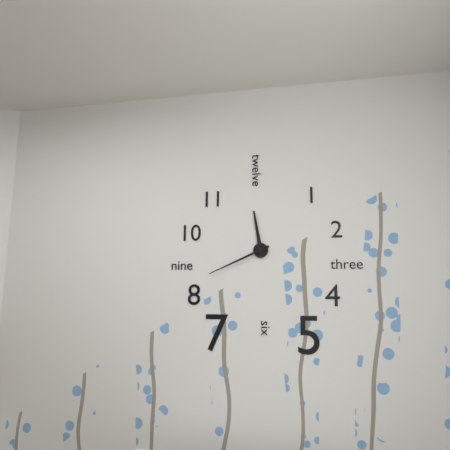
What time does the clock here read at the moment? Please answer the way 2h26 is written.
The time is 11h41
